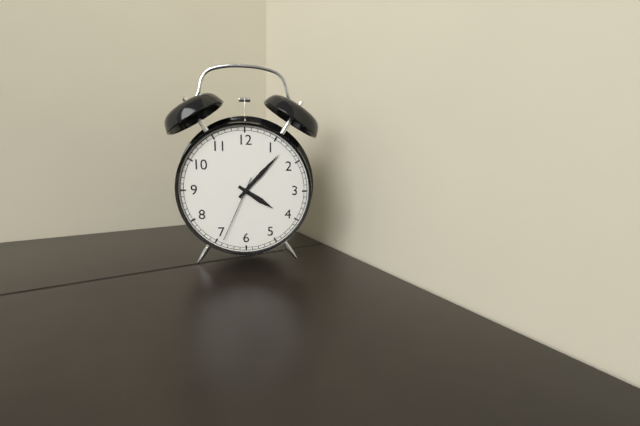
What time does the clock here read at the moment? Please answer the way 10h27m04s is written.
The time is 4h07m34s
